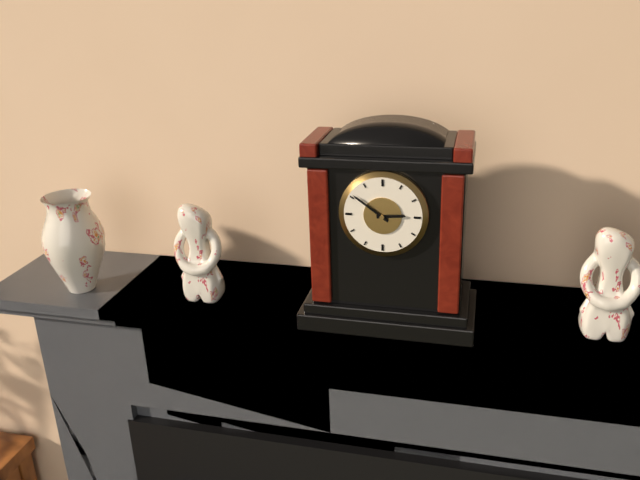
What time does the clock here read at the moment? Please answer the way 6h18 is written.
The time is 2h51
